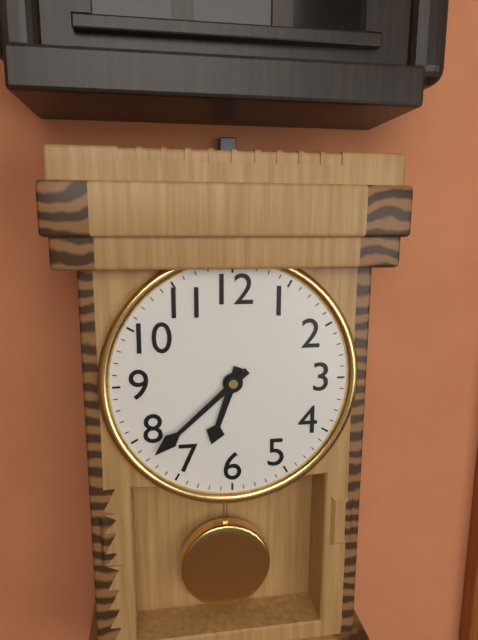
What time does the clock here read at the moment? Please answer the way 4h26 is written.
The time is 6h38
